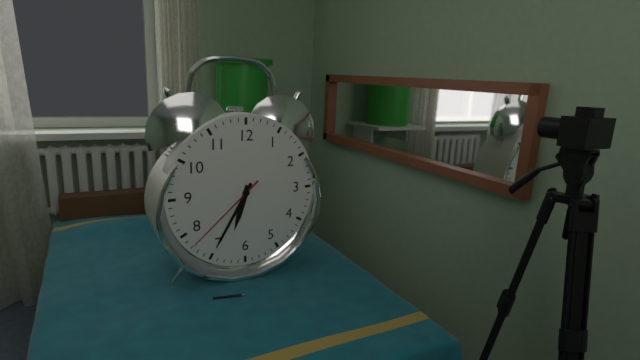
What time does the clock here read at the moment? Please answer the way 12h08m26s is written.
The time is 6h35m38s
